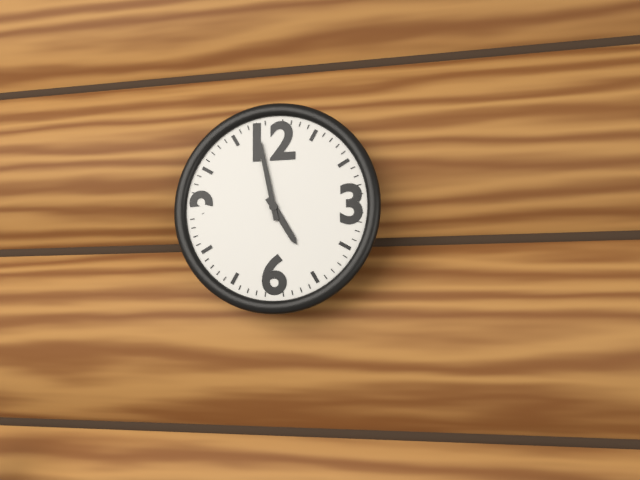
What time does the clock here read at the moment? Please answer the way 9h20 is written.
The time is 4h58
